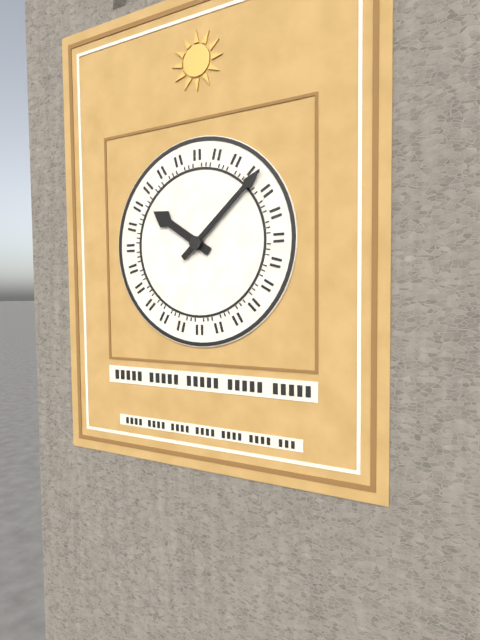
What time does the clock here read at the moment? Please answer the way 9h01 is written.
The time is 10h08
